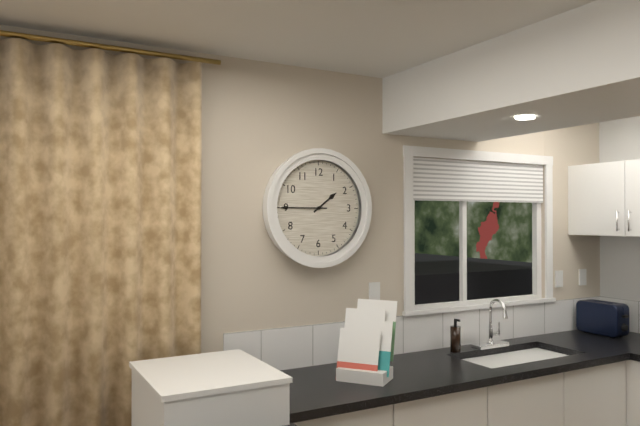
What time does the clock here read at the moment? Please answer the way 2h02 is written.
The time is 1h45
